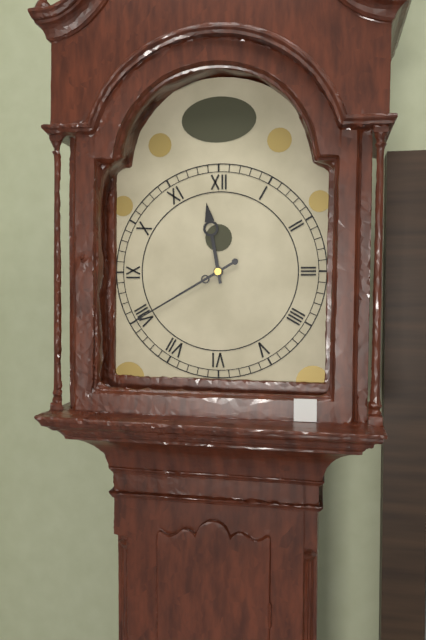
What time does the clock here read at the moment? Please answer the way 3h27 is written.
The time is 11h40
